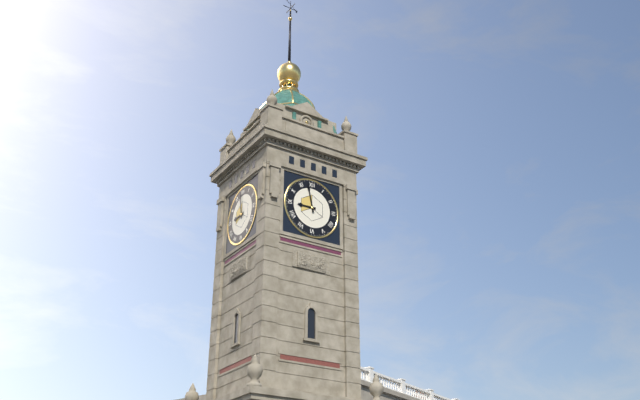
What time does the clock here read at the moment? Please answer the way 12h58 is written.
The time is 8h58
